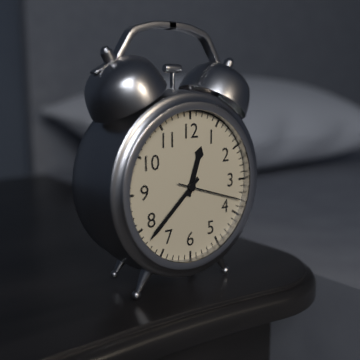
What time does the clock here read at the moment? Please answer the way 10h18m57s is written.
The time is 12h38m18s
